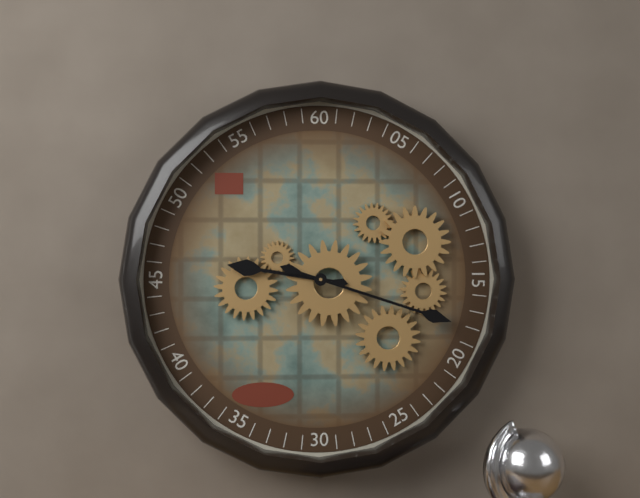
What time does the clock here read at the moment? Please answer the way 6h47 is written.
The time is 9h18
